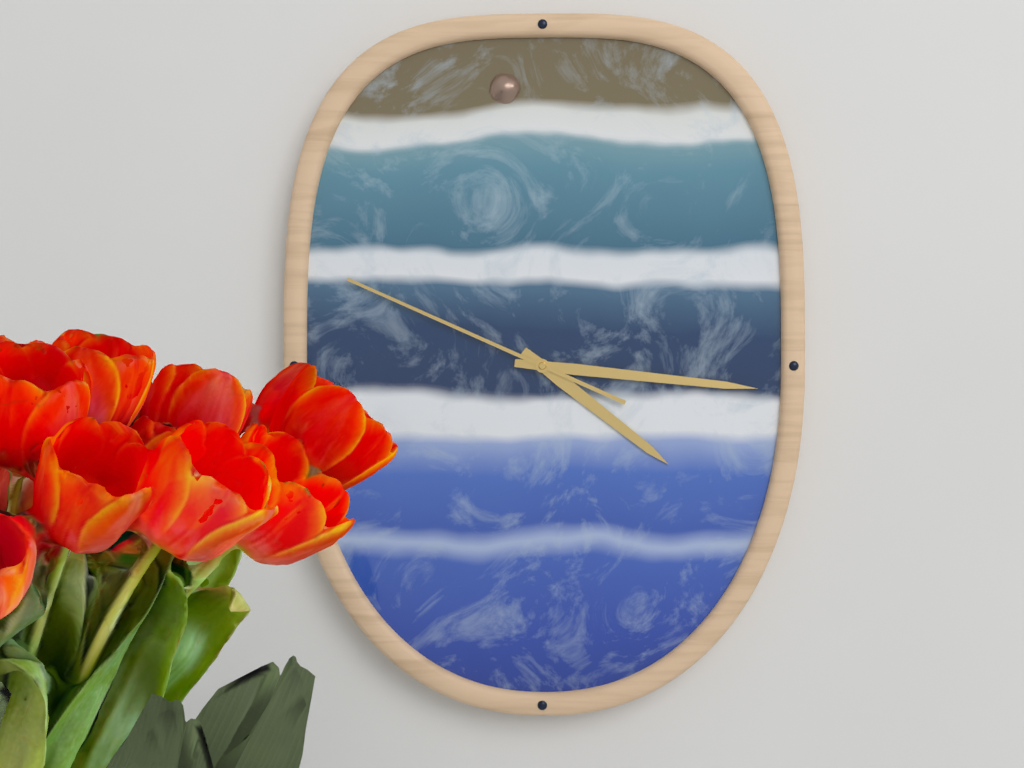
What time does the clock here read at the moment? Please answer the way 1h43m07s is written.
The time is 4h16m49s
